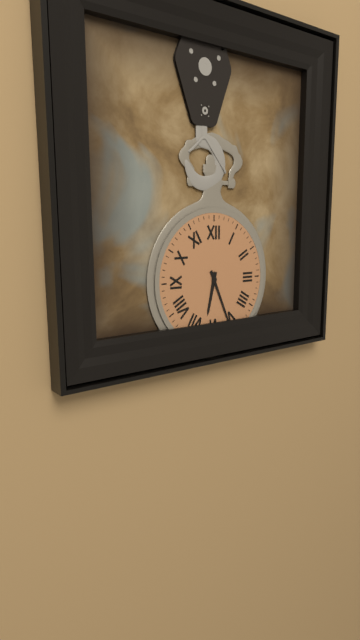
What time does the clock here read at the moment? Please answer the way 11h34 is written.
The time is 6h26
